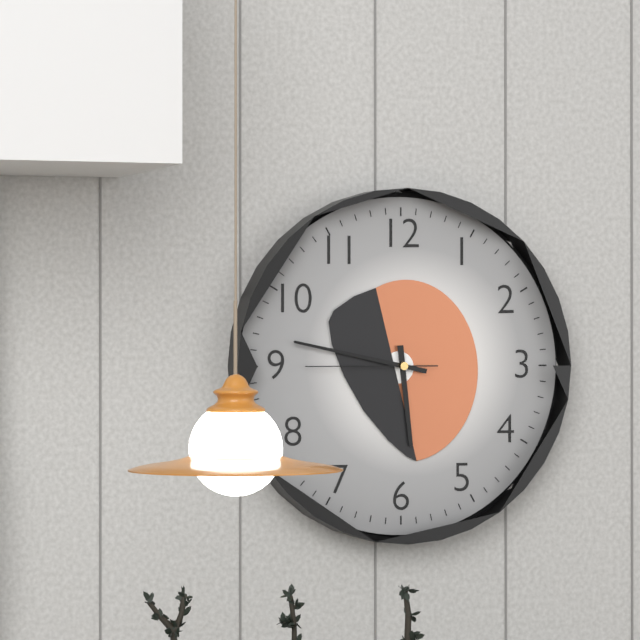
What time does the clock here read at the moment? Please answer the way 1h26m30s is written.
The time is 5h47m45s
